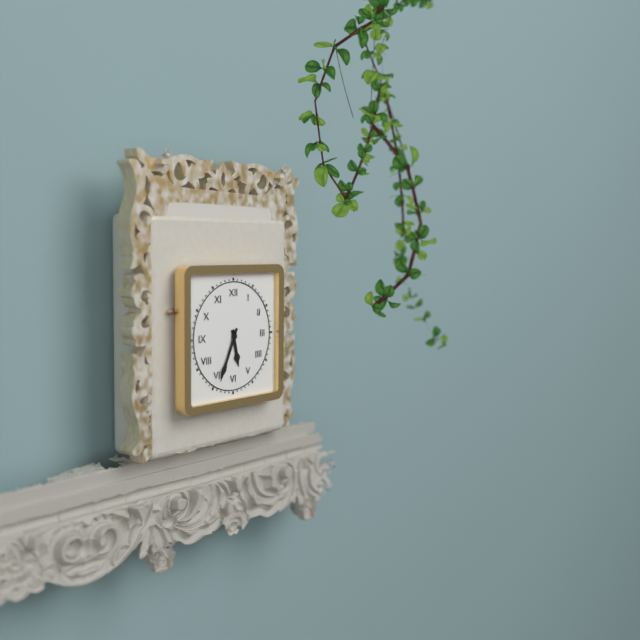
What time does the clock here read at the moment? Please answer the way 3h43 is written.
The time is 5h34
